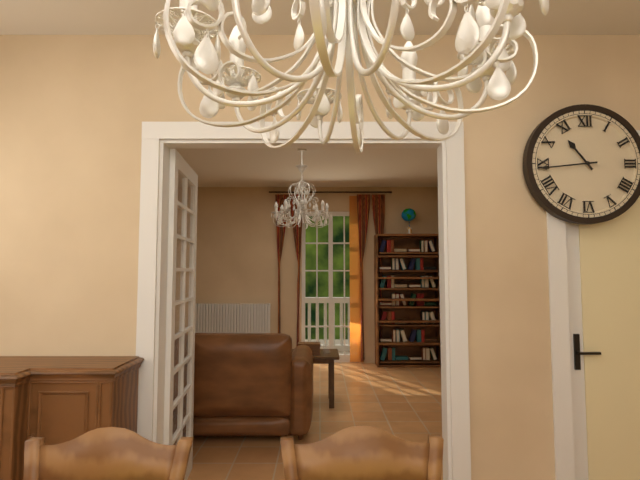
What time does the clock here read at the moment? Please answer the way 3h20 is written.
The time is 10h44
